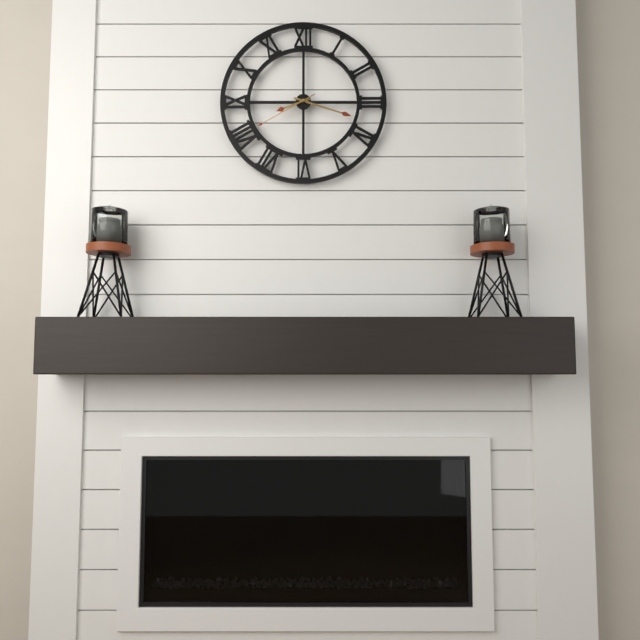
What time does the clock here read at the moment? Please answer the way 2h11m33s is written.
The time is 8h18m40s
